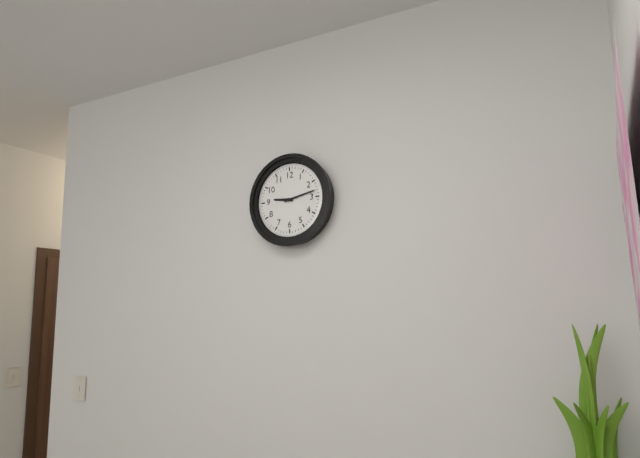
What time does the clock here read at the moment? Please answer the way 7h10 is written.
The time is 9h13
